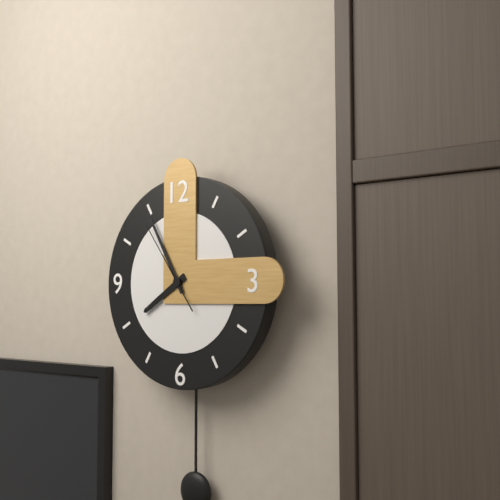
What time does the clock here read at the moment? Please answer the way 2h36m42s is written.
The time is 7h55m54s
